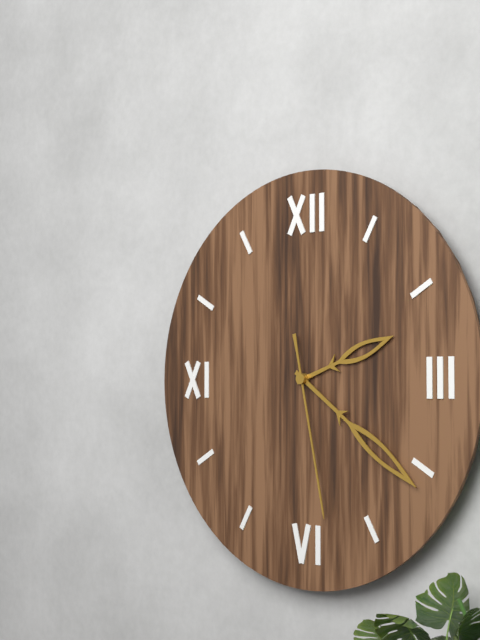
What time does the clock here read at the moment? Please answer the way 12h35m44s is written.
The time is 2h21m28s
